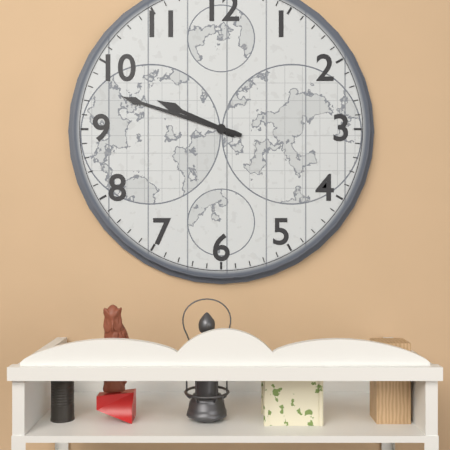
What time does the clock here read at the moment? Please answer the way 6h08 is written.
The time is 9h48
